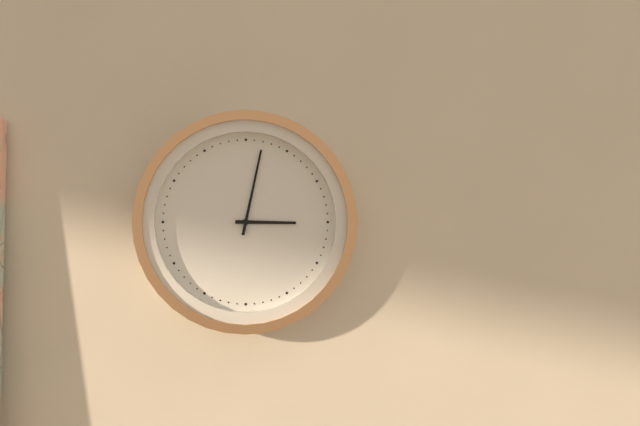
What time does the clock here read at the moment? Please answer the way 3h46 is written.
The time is 3h02
